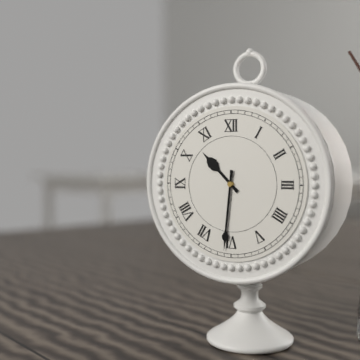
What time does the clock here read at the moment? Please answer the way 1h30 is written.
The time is 10h31
